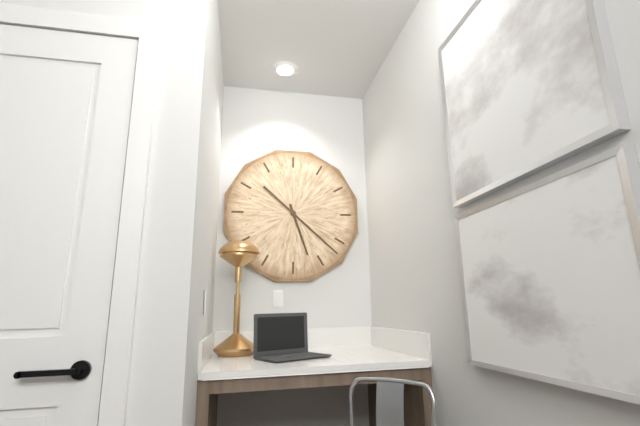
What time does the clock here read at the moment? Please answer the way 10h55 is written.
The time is 5h22
